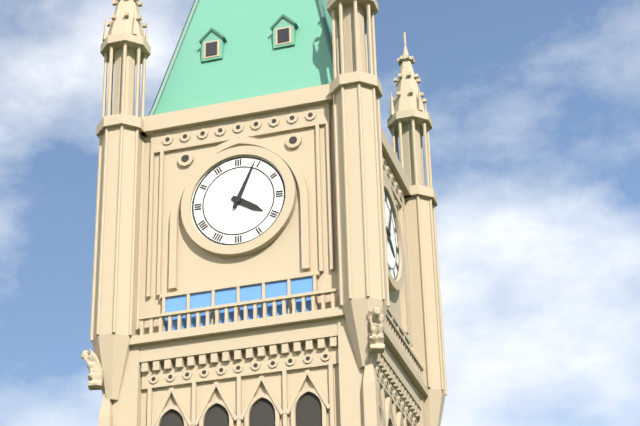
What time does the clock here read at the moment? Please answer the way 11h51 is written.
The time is 4h04
